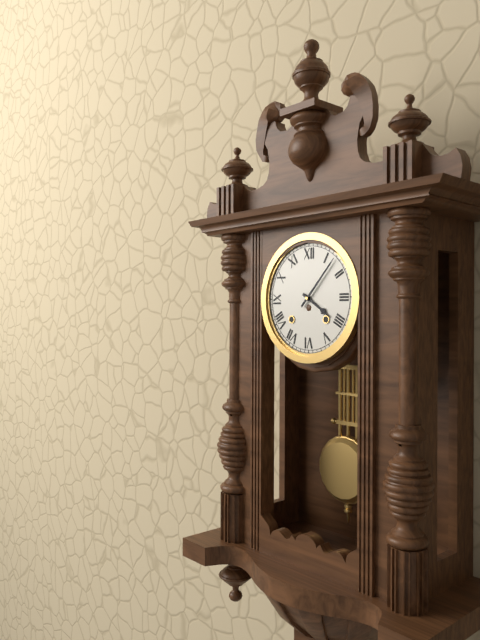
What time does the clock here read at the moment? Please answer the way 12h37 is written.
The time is 4h07
